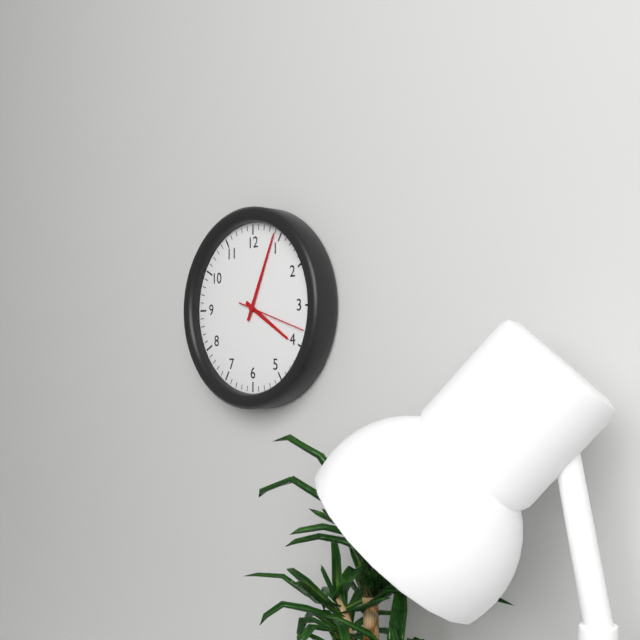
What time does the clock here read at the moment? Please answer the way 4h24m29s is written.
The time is 4h04m18s
